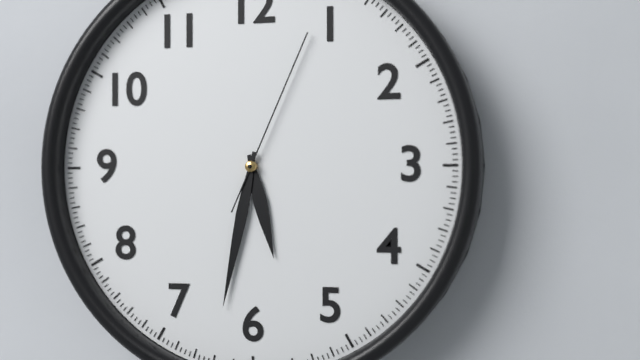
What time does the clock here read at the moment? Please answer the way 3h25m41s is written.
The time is 5h32m04s
